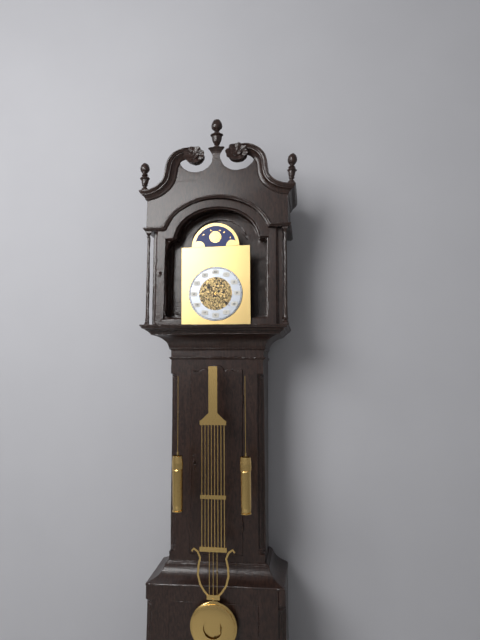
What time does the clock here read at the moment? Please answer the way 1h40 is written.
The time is 10h22
